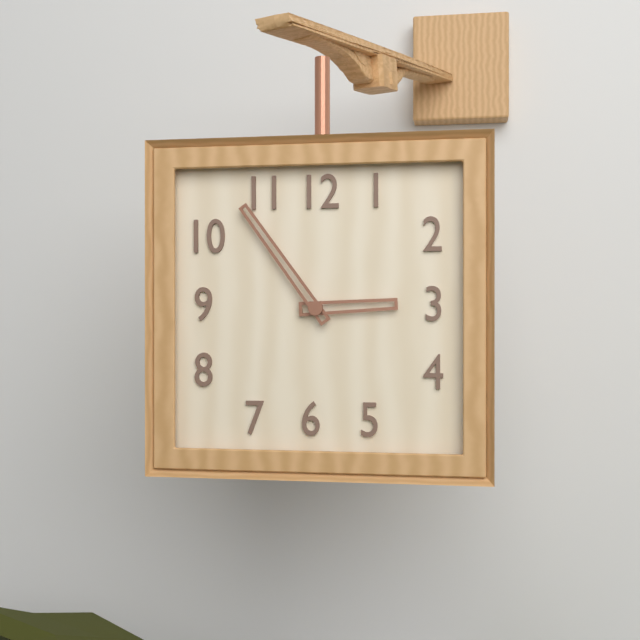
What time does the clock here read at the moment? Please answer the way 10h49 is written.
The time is 2h54
